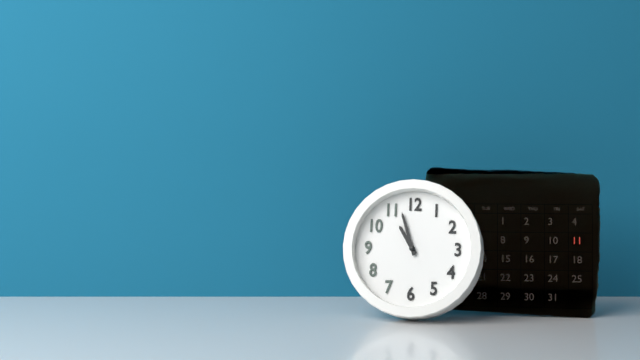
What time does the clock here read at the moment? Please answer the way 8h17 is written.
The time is 10h57
